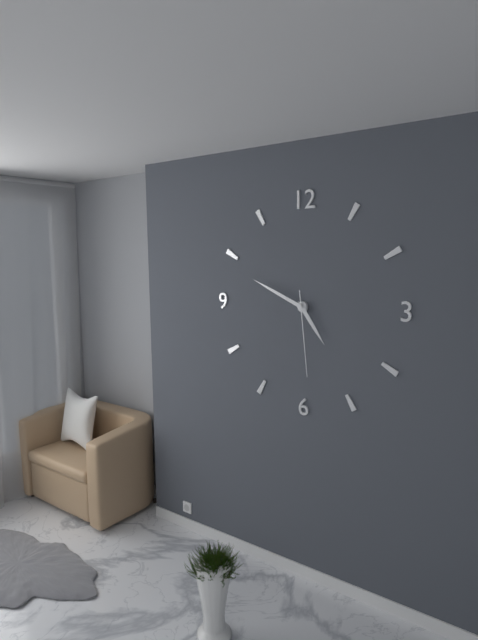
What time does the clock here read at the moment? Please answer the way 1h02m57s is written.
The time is 4h49m29s
